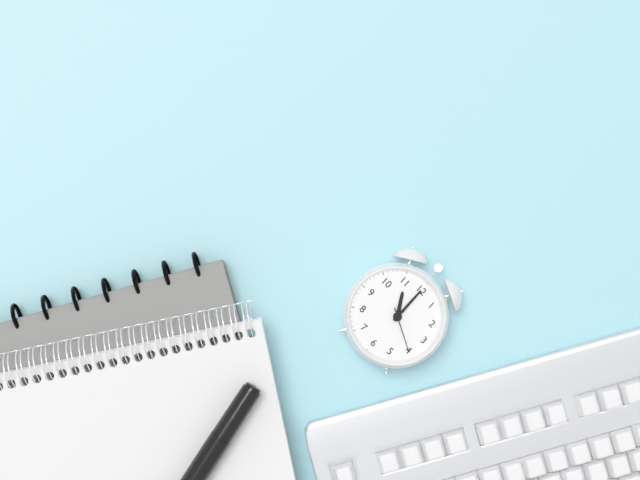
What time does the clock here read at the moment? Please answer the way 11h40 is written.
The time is 11h00
